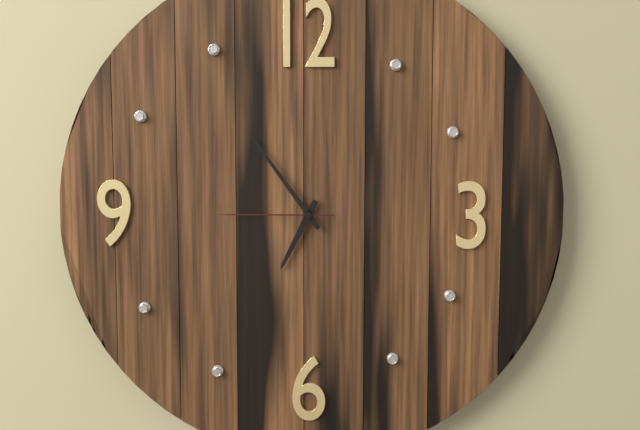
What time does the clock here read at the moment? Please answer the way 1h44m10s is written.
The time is 6h54m45s
